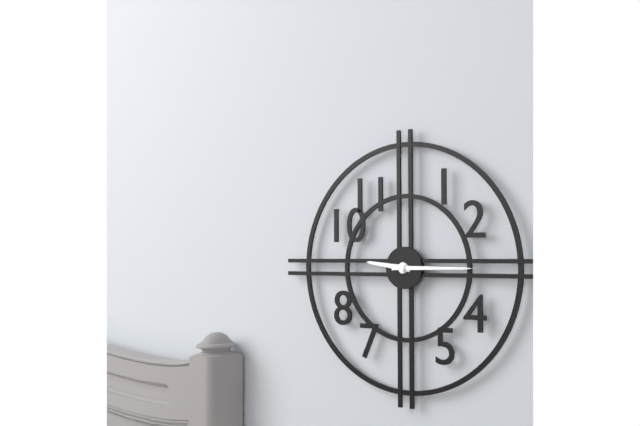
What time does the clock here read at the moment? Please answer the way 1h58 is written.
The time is 9h15
